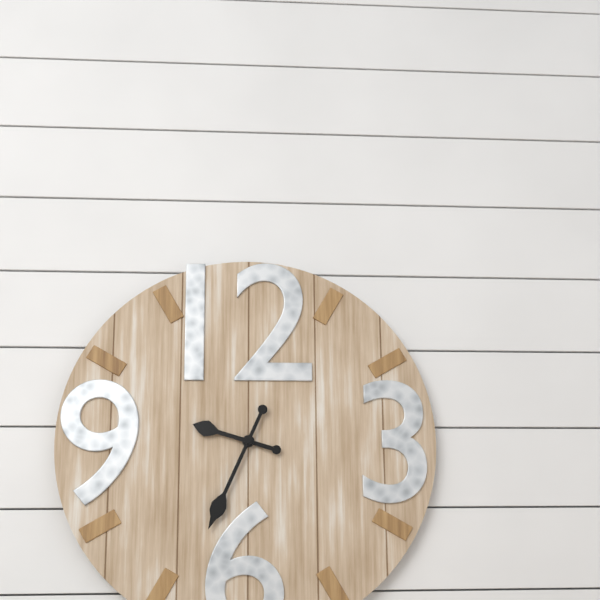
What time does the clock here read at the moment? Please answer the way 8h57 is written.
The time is 9h34
